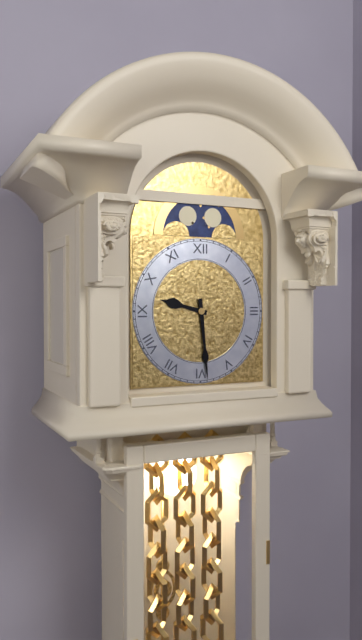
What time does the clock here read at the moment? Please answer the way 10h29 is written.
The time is 9h29
